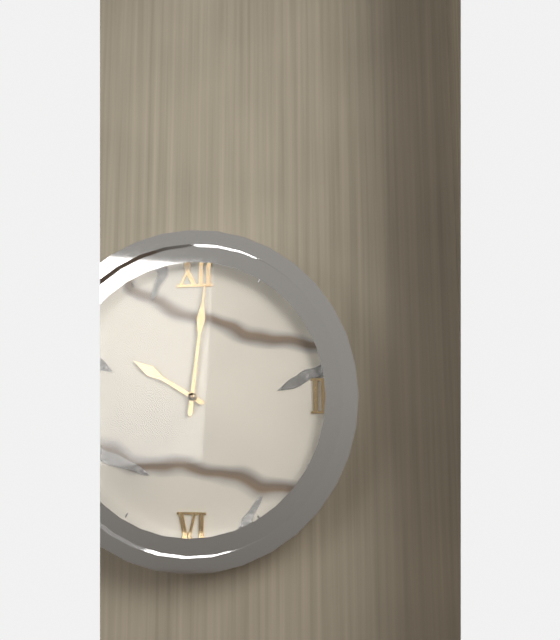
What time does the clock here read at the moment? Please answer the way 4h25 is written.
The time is 10h01
